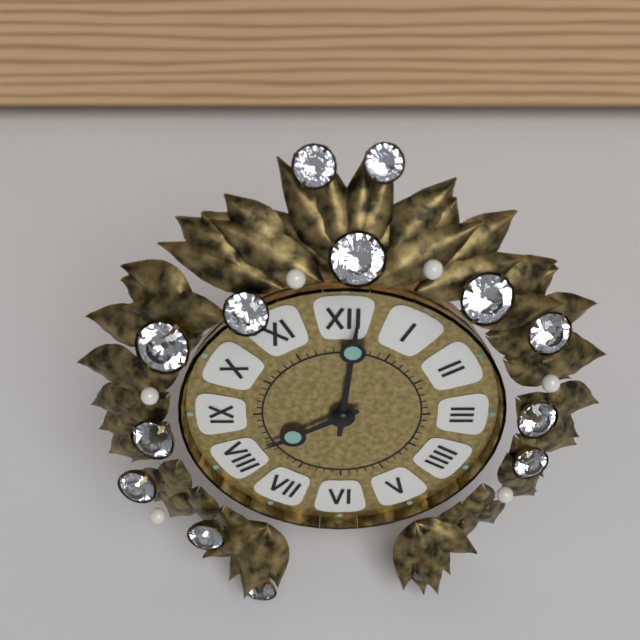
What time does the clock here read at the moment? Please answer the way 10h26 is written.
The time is 8h01
